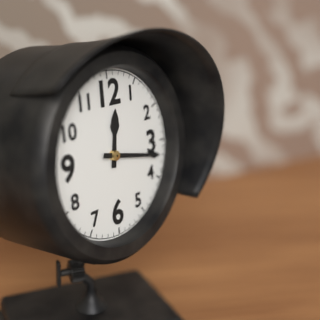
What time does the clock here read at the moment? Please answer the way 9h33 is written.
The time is 12h17
